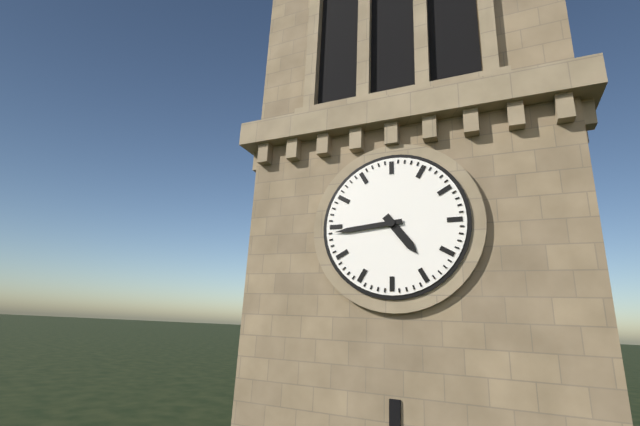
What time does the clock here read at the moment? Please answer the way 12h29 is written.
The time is 4h44
